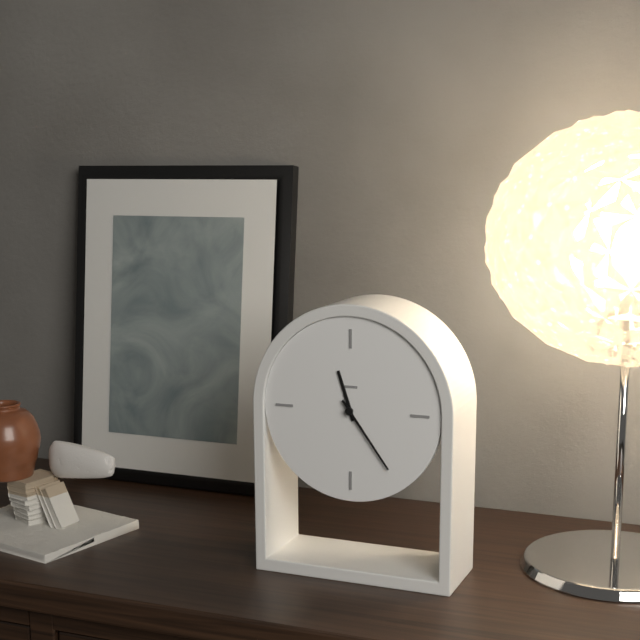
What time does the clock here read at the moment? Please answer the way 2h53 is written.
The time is 11h24
